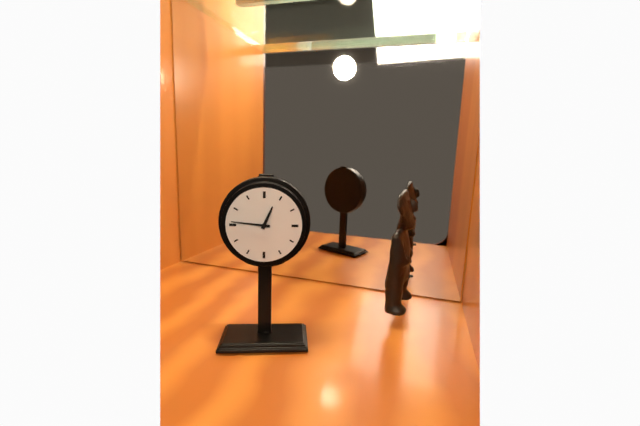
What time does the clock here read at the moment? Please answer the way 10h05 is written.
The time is 12h46
